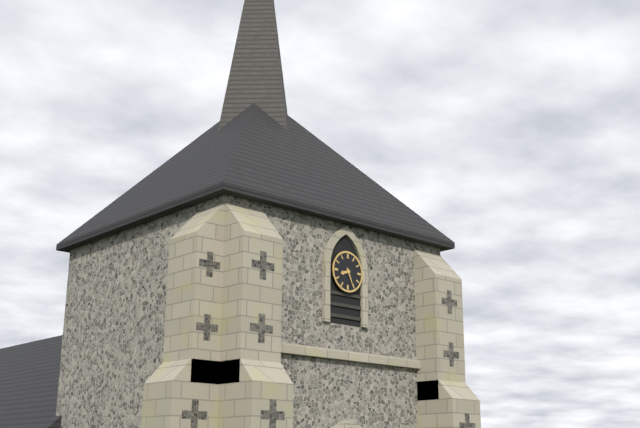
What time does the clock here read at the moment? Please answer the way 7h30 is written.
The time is 8h26
